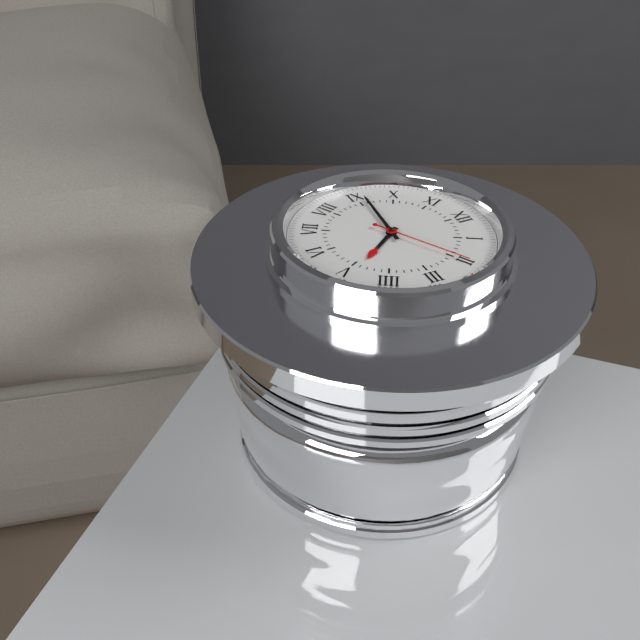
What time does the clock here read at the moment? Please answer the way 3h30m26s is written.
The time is 4h46m10s
